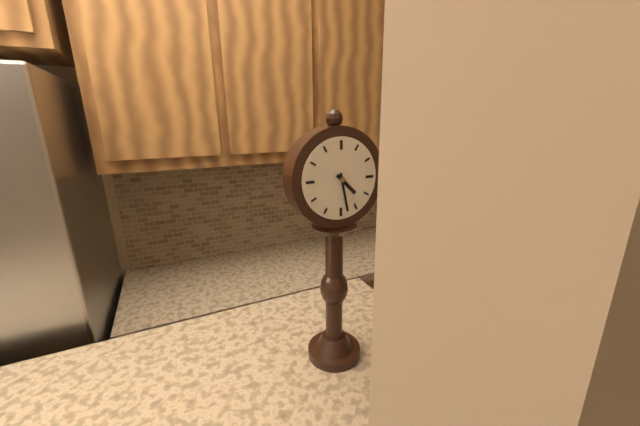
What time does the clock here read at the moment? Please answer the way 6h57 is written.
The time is 4h28
